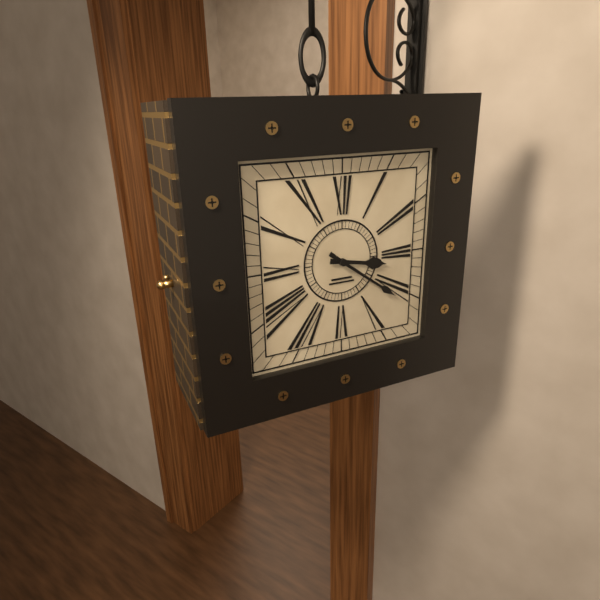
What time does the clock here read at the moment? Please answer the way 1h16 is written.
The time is 3h21
